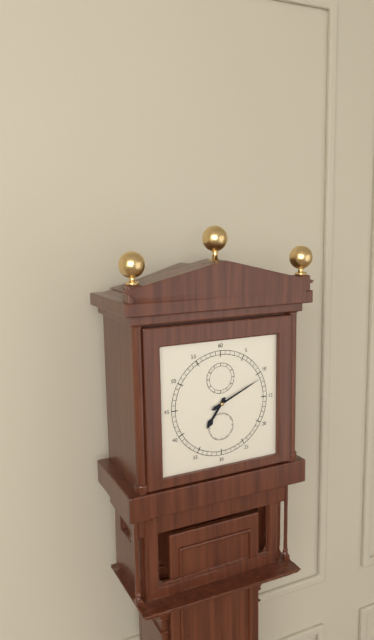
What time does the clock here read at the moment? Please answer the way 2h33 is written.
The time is 7h11
